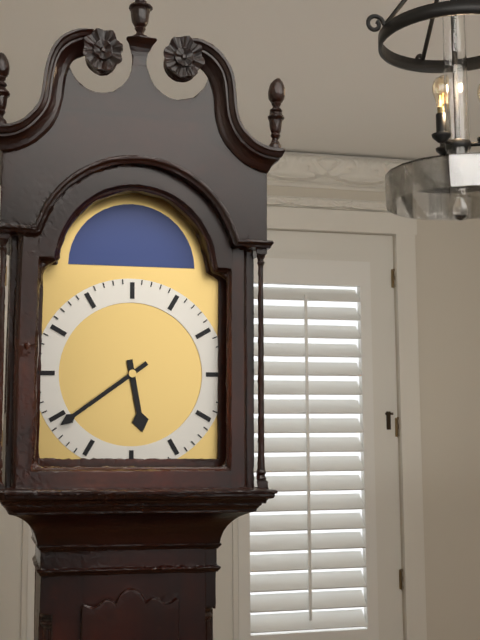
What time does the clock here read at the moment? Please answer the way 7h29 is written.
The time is 5h39
